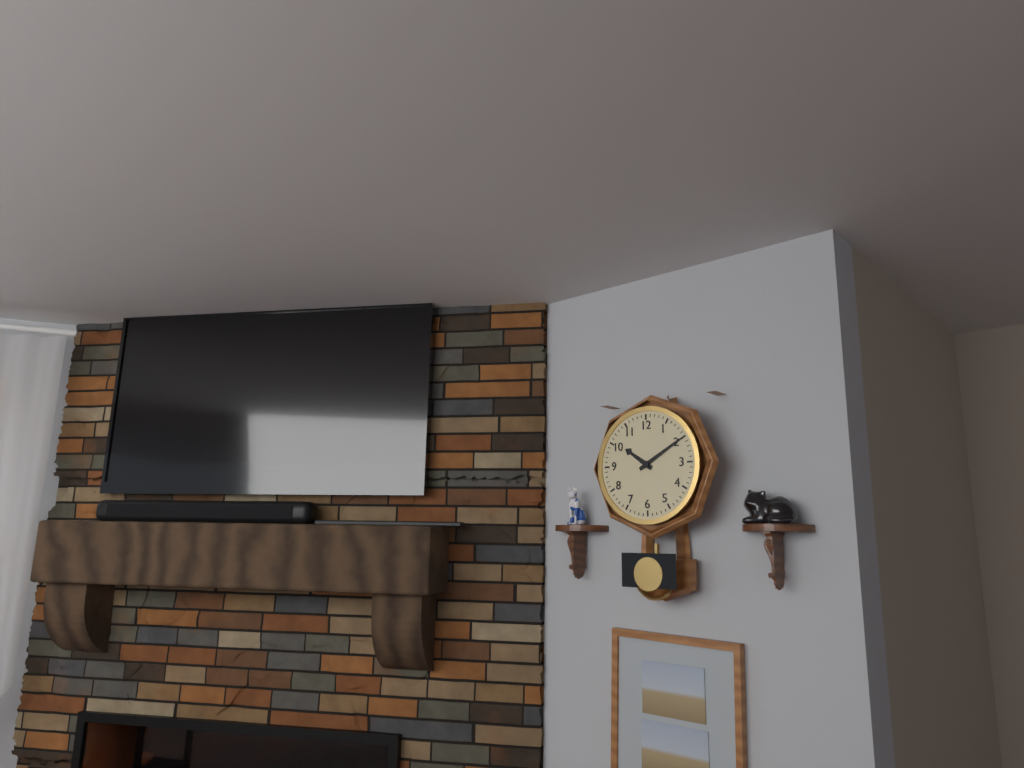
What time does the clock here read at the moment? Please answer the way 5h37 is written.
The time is 10h10
